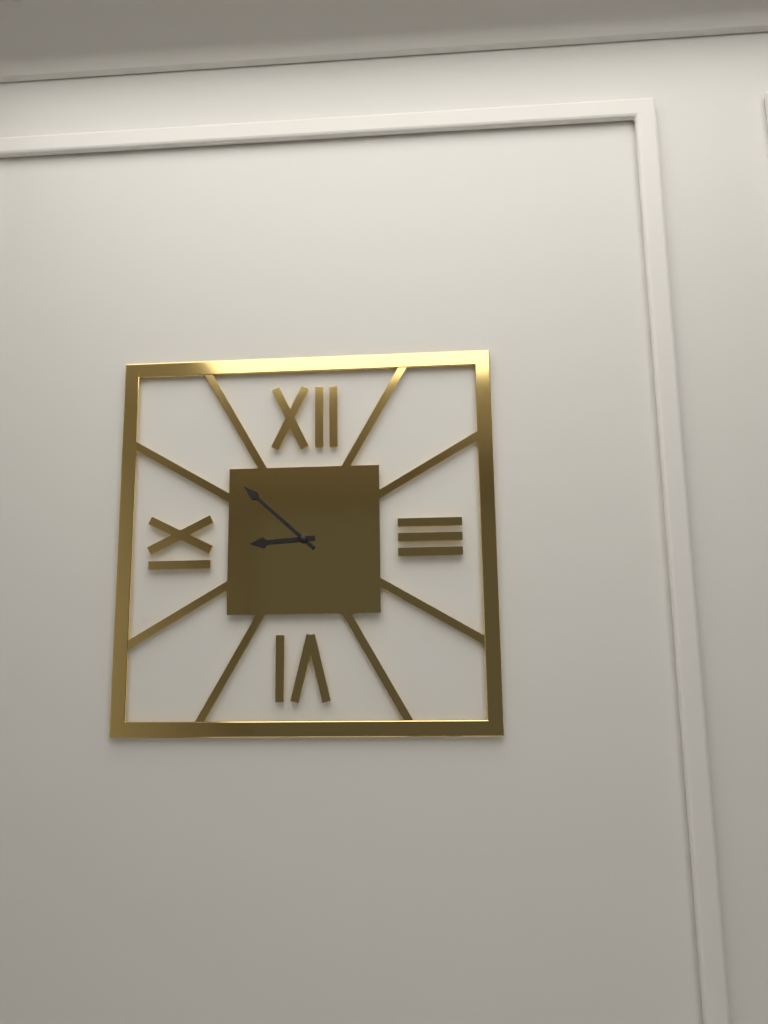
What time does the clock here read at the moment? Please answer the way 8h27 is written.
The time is 8h52
